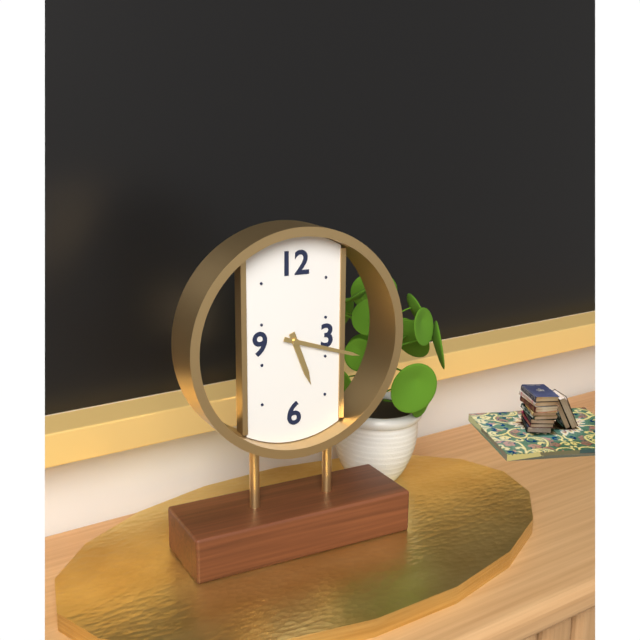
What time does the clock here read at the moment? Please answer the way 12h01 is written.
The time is 5h18
